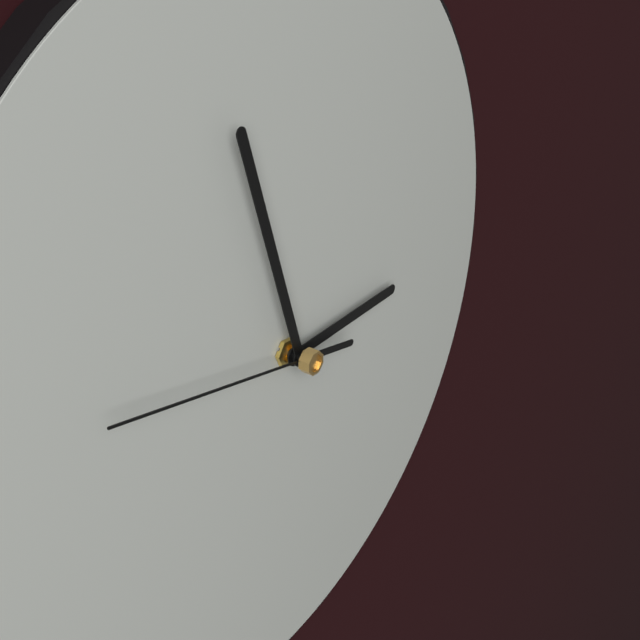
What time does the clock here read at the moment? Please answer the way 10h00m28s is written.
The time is 2h57m47s
